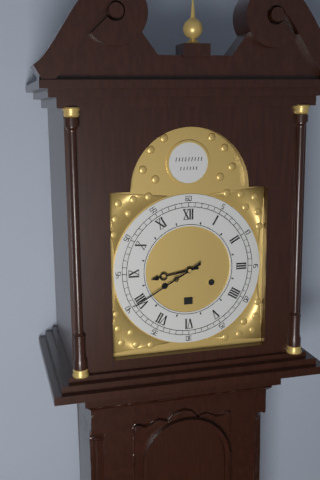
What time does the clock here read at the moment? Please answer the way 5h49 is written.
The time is 8h40
